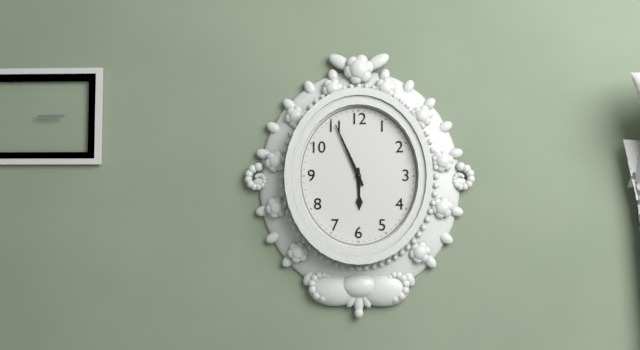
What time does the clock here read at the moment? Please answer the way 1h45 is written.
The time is 5h56
